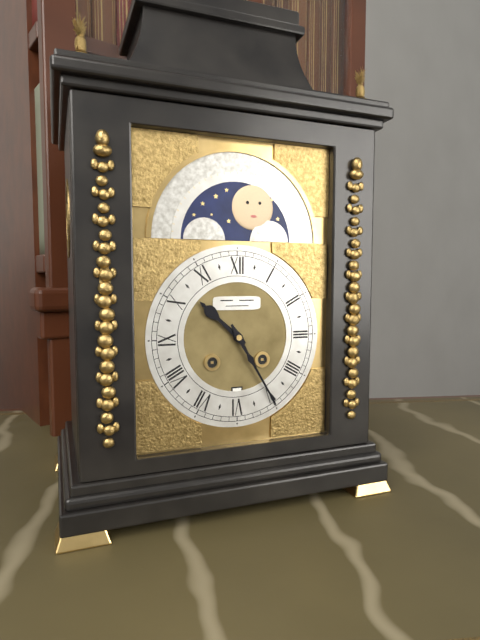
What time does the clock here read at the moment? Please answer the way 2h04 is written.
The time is 10h25
